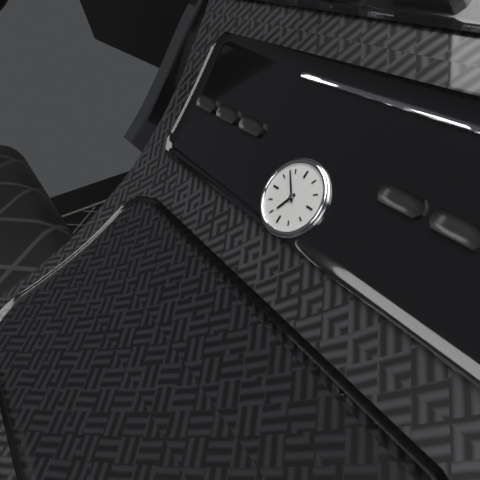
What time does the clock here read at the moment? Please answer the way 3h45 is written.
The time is 6h53
